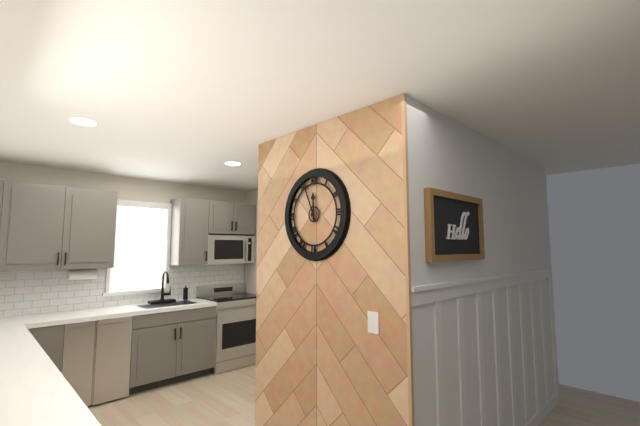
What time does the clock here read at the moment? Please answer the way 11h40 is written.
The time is 11h56
